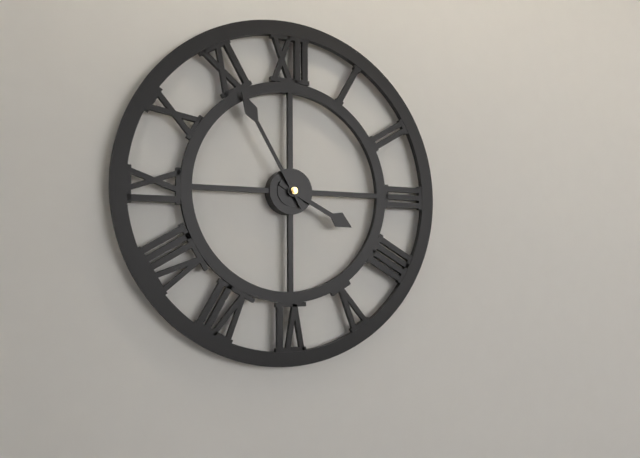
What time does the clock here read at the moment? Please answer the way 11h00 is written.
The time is 3h55
